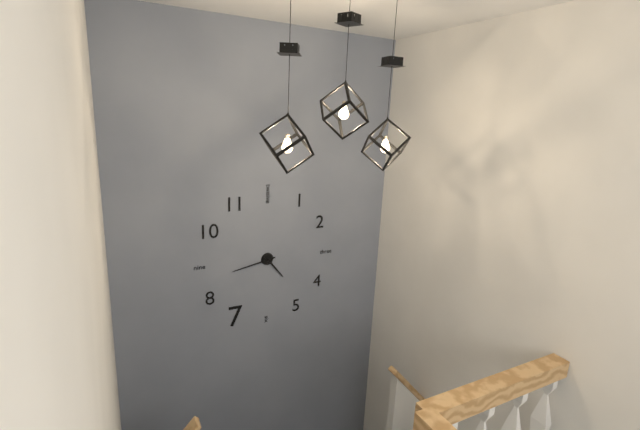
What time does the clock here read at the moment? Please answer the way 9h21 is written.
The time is 4h43
